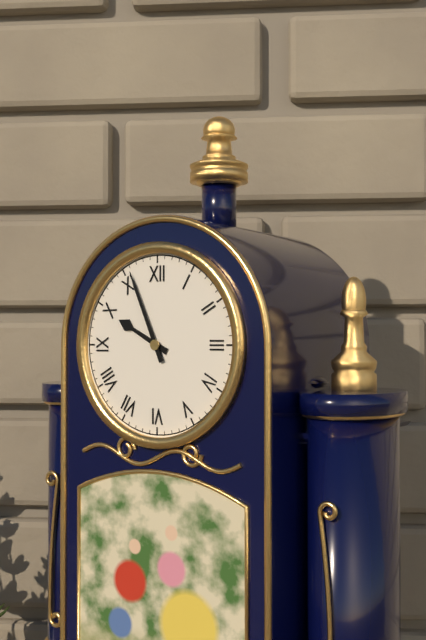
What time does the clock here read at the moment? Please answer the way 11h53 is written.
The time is 9h56
